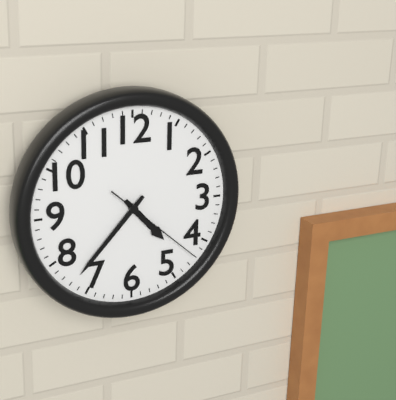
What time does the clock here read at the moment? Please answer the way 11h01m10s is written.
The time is 4h37m22s
